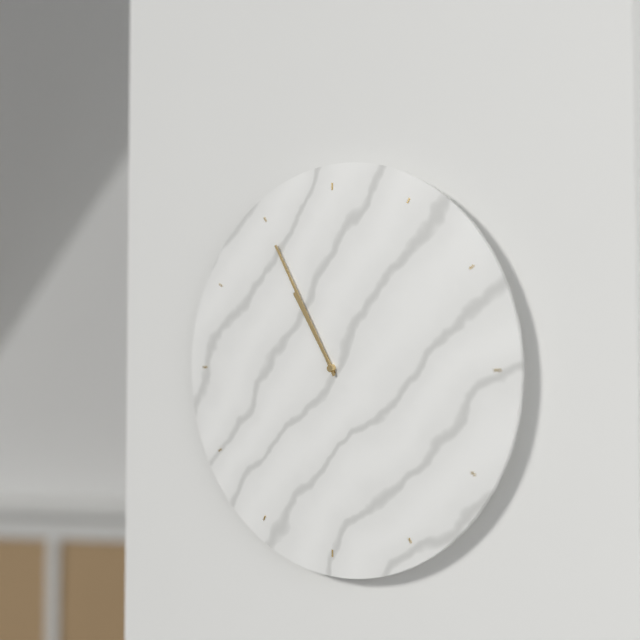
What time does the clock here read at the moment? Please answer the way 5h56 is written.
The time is 10h55
